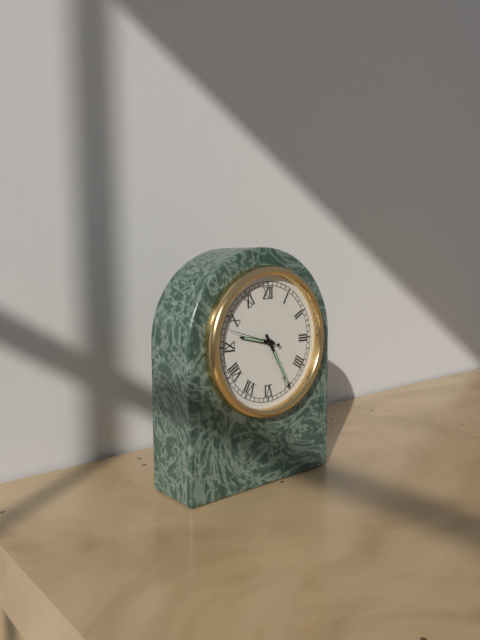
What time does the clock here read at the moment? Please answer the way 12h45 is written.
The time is 9h25
